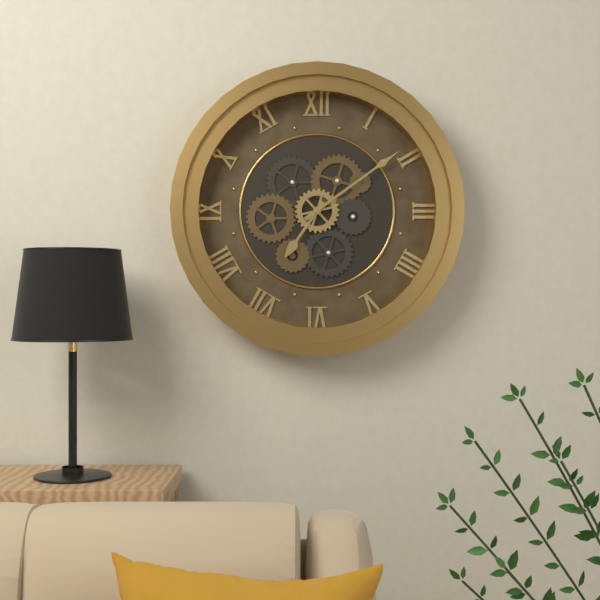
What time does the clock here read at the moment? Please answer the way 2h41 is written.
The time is 7h09
